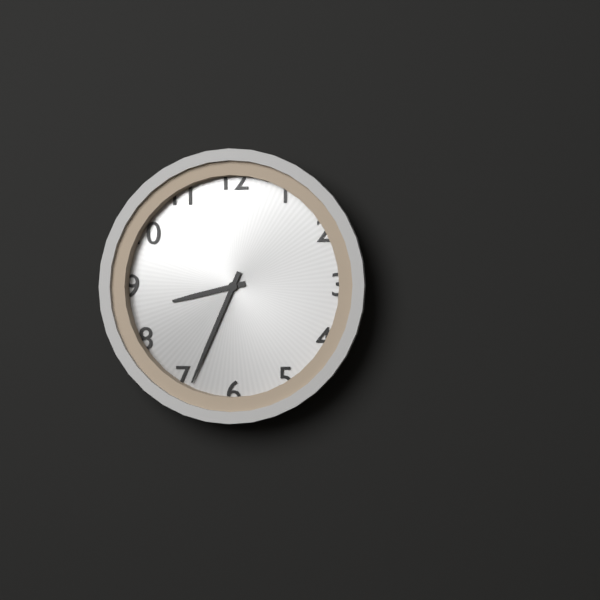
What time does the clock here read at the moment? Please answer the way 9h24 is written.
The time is 8h34
